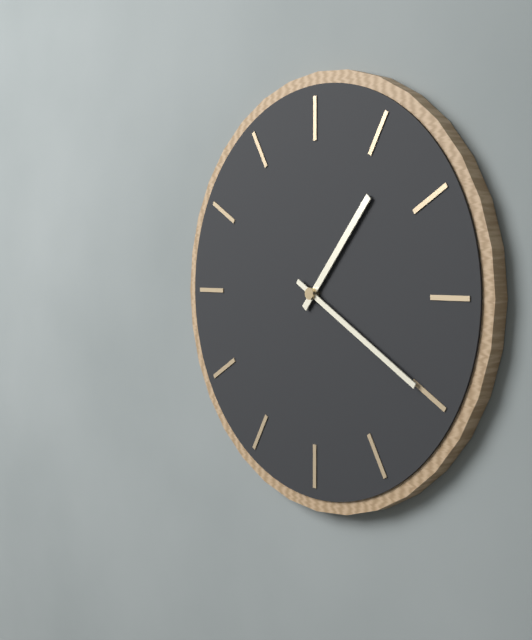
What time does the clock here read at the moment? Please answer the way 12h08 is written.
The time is 1h20
